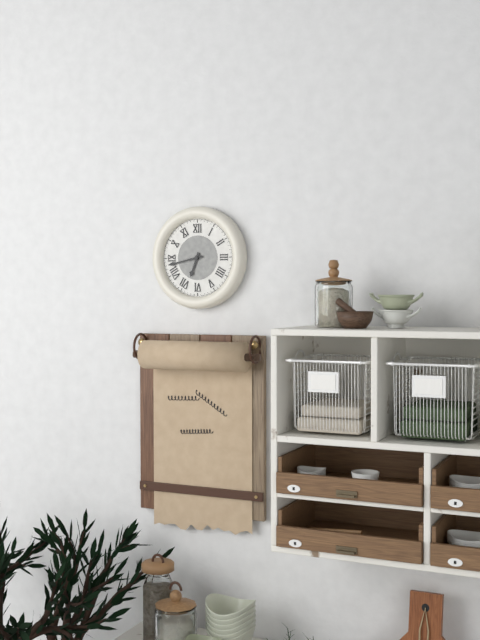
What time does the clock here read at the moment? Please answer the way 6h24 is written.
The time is 6h43
